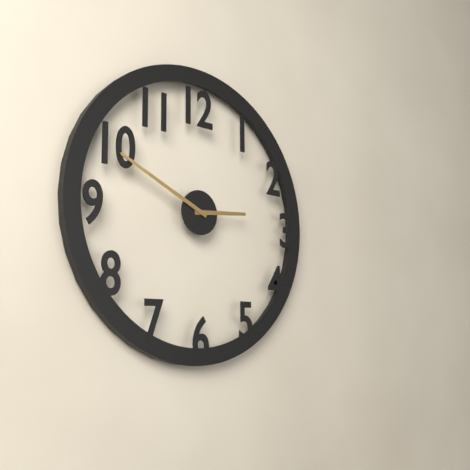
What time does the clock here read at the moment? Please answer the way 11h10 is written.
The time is 2h49
